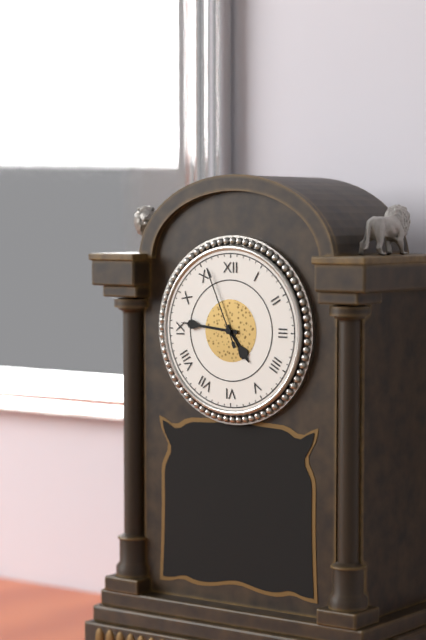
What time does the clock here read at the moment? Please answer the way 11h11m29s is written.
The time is 4h46m56s
